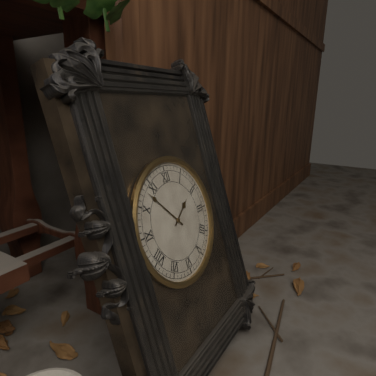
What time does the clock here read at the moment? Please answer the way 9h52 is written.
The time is 1h53
